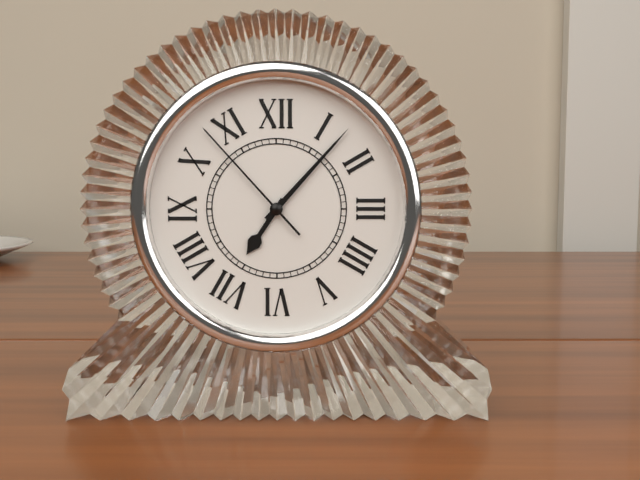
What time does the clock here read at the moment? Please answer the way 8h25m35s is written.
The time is 7h07m53s
